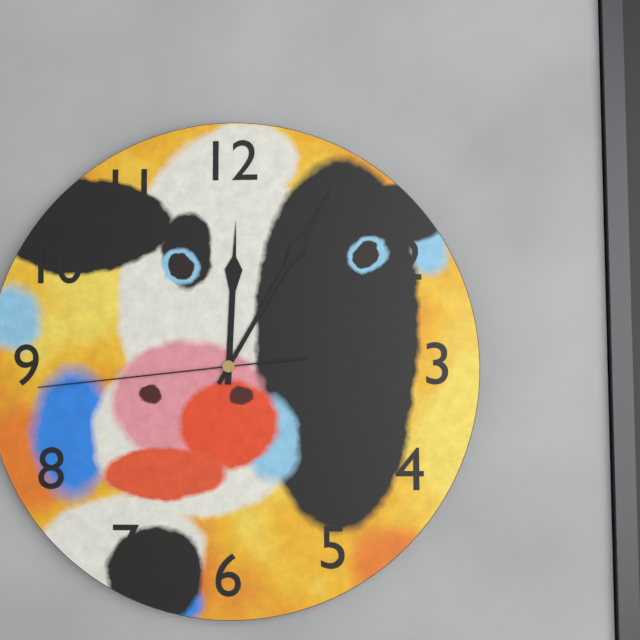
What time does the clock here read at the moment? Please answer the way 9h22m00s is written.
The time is 12h05m44s
